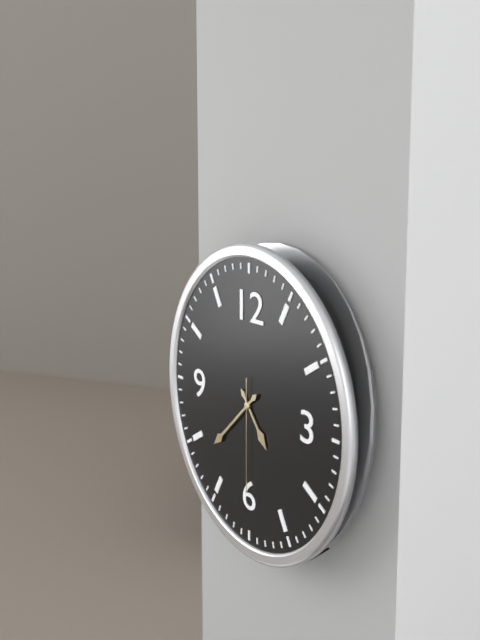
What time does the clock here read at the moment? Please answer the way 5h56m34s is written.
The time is 4h38m30s
